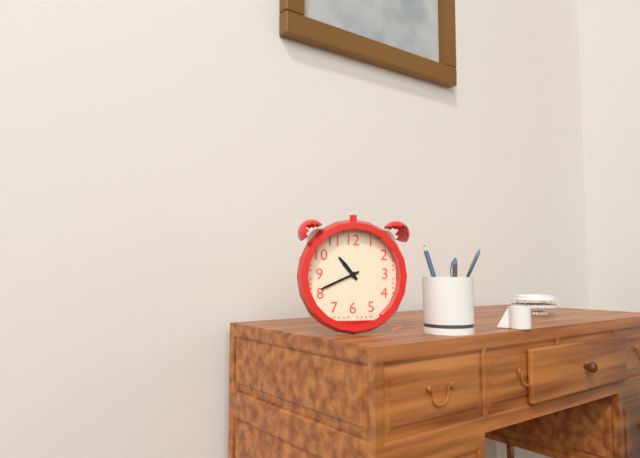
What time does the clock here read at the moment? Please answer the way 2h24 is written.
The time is 10h41
